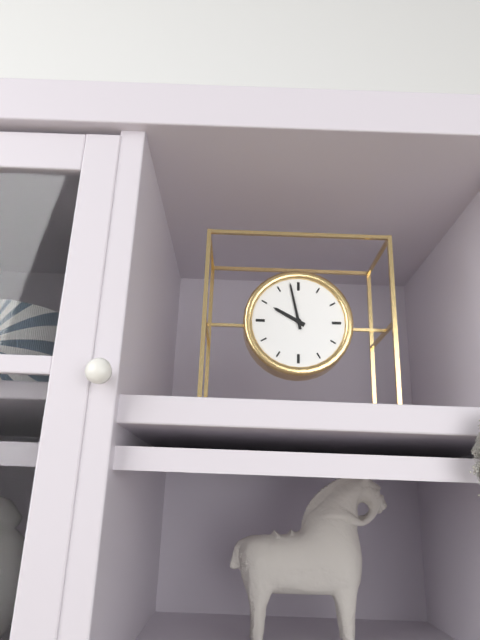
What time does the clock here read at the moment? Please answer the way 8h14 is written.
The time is 9h58
